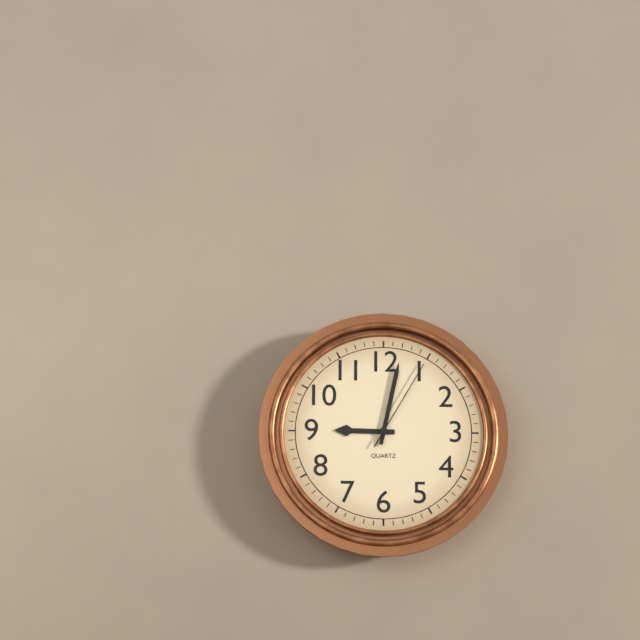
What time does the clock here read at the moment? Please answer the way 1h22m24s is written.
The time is 9h02m05s
